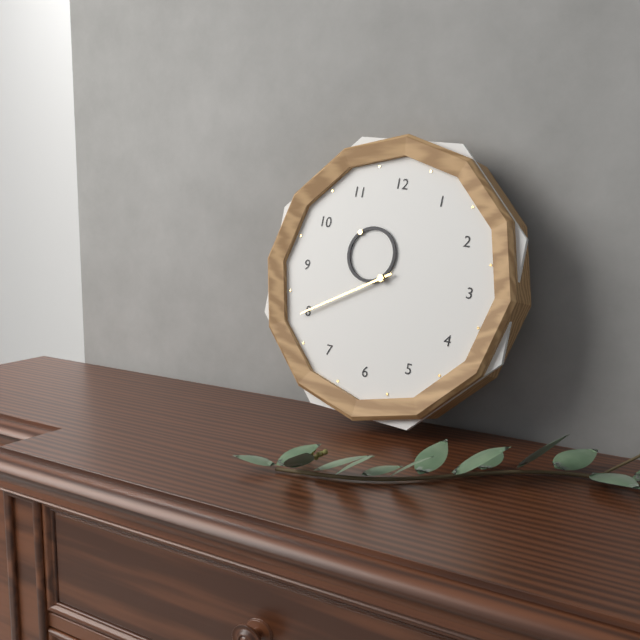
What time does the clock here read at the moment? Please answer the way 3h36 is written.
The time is 10h40
